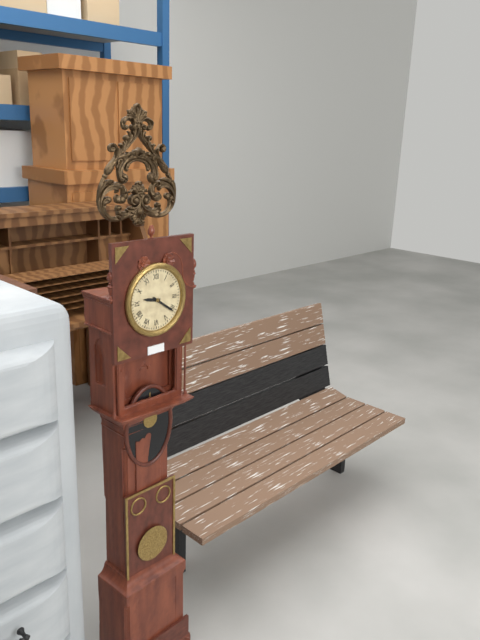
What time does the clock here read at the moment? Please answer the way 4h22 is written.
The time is 9h21
